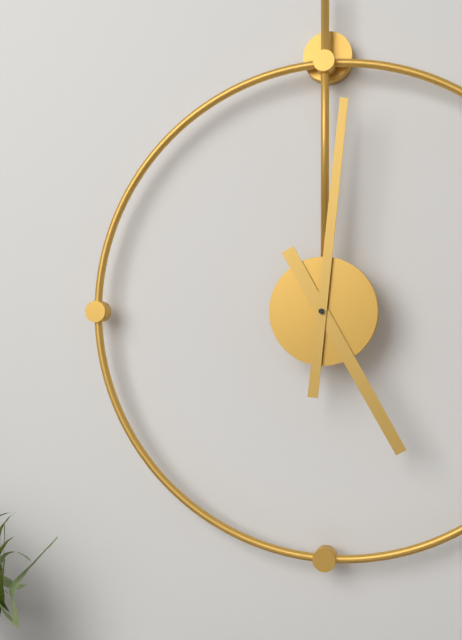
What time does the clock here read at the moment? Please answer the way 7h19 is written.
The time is 5h01
